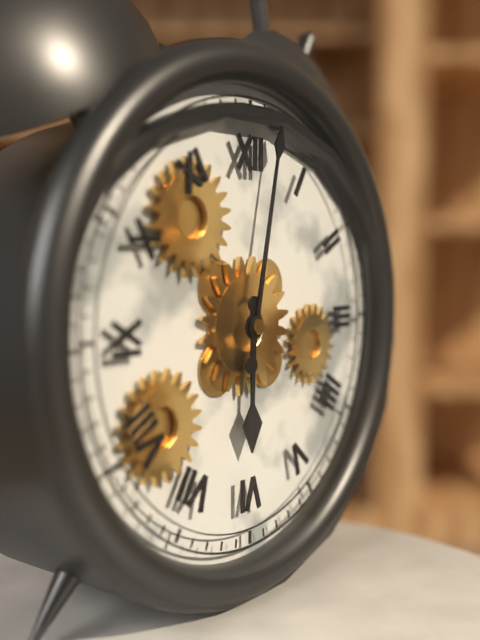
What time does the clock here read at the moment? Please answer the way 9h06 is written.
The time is 6h02
